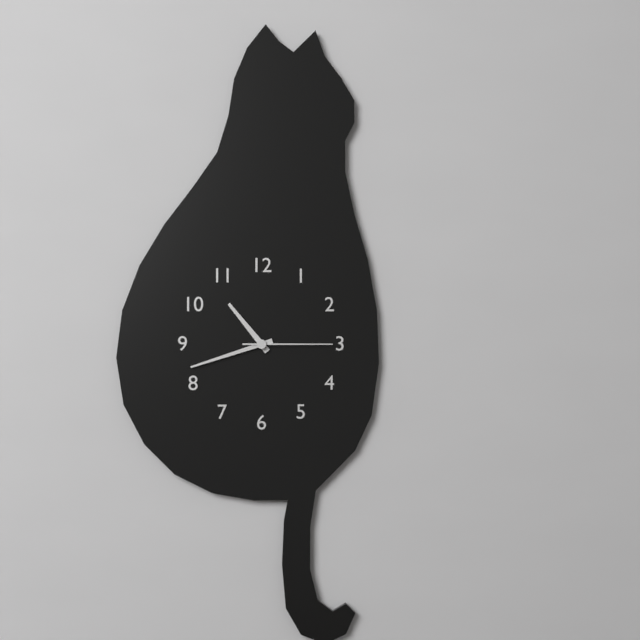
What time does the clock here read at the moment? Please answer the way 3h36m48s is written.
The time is 10h42m15s
